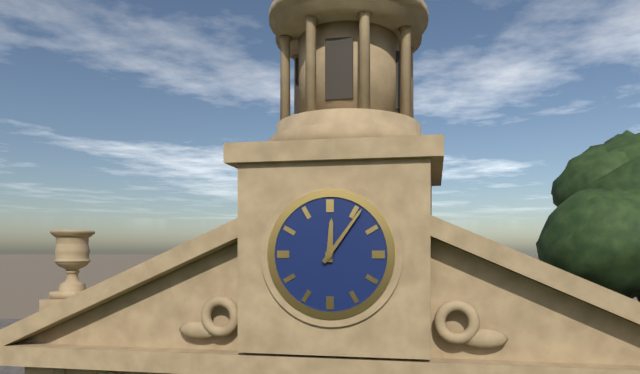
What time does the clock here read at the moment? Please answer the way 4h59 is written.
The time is 12h06
